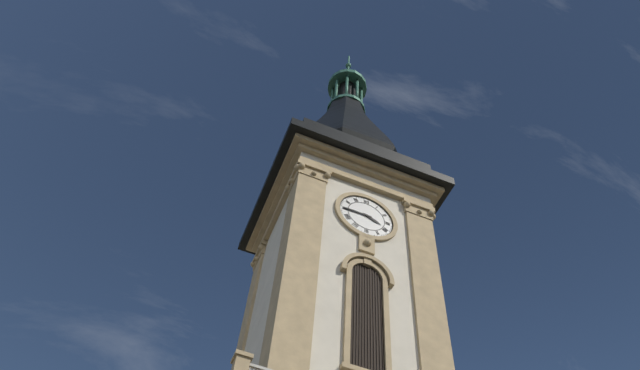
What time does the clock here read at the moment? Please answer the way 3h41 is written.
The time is 3h45
